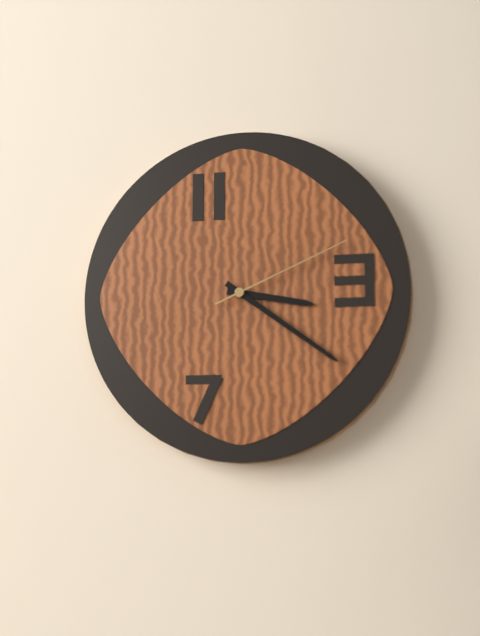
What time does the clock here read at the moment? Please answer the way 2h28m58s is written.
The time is 3h21m11s
